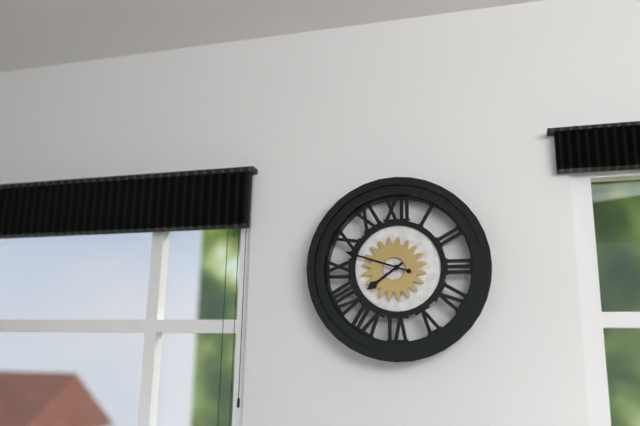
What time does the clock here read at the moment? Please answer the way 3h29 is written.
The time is 7h48
